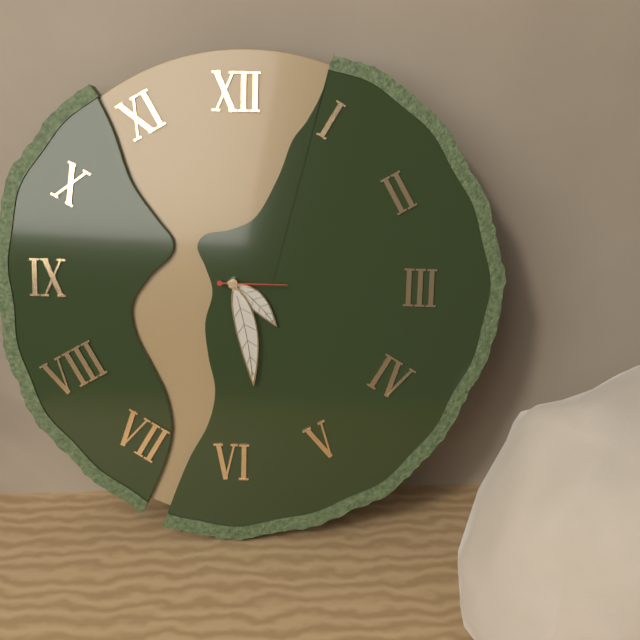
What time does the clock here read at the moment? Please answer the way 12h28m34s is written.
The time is 4h28m15s
